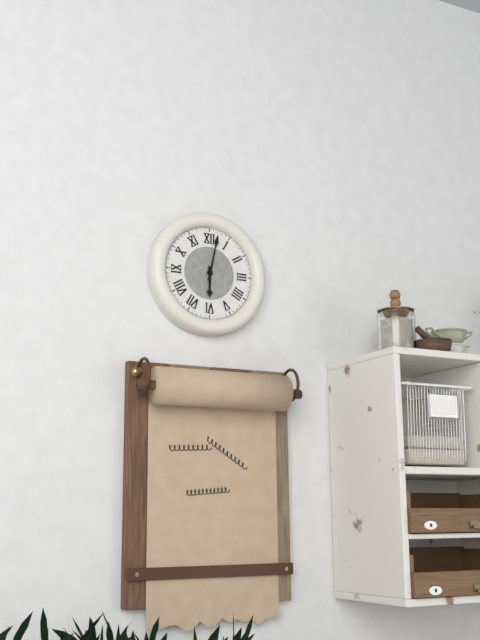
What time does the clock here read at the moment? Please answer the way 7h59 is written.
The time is 6h02
